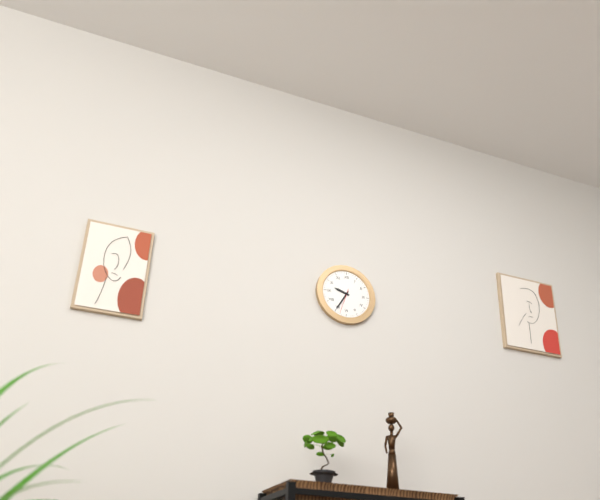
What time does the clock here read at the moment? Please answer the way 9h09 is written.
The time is 9h35
